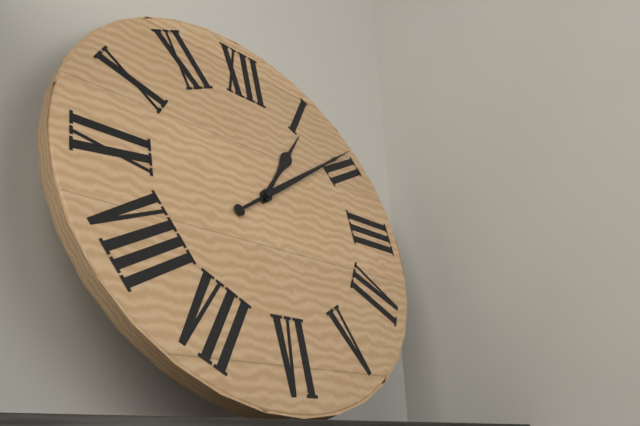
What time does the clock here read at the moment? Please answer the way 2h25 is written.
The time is 1h09
